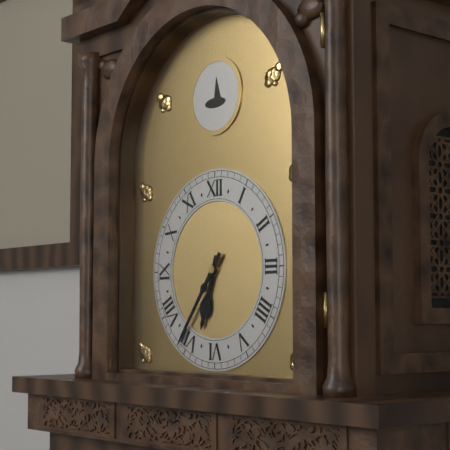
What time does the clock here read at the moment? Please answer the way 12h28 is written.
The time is 6h36
